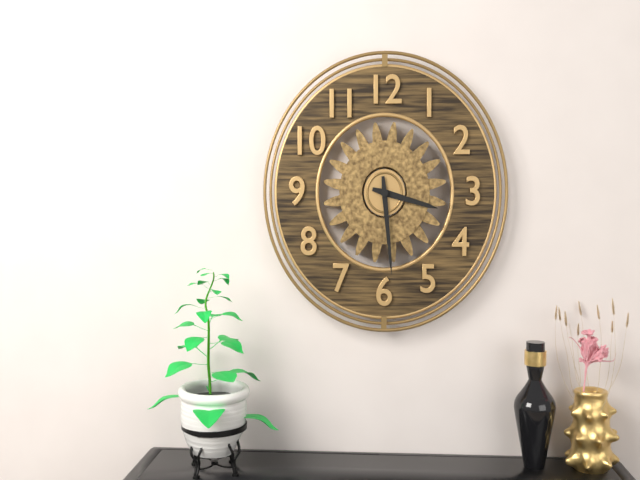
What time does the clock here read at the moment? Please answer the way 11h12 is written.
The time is 3h29
